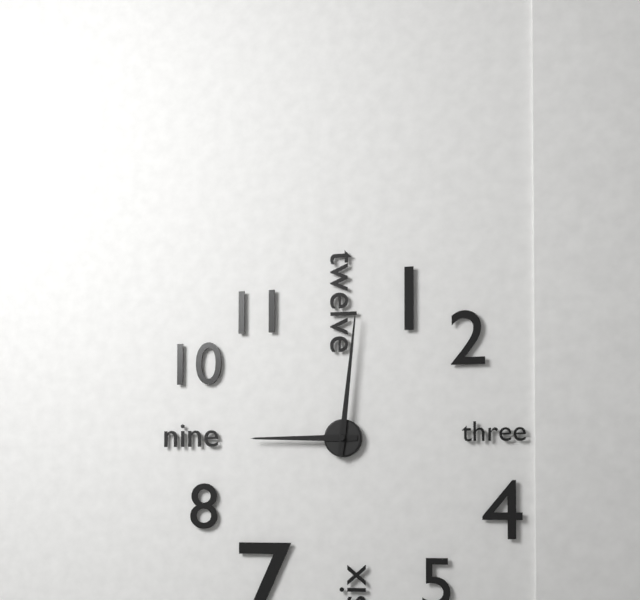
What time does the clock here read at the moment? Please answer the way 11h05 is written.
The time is 9h01
